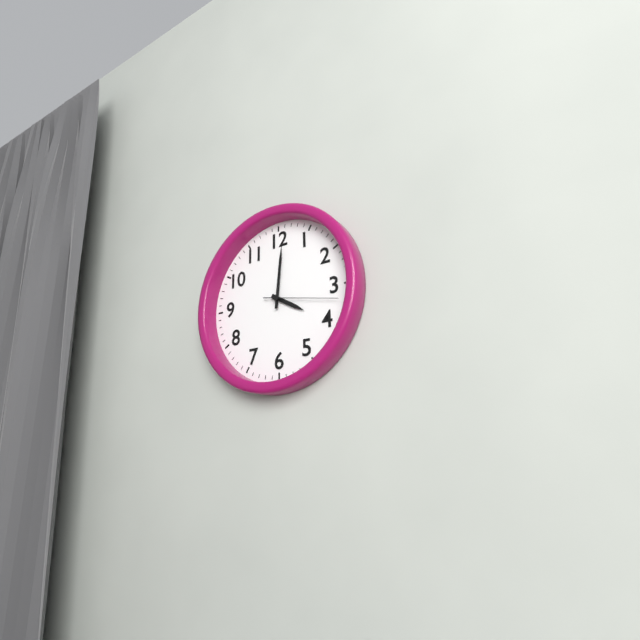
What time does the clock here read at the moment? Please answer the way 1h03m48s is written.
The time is 4h01m17s
